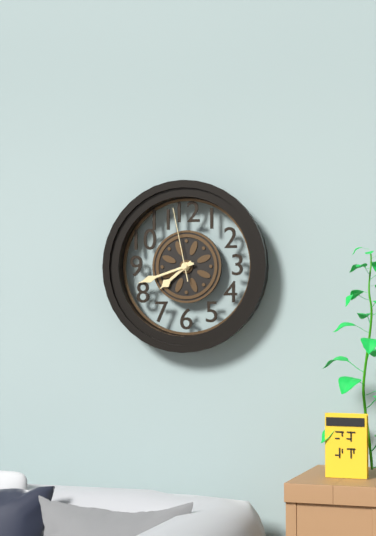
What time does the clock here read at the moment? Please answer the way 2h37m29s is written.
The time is 7h42m58s
